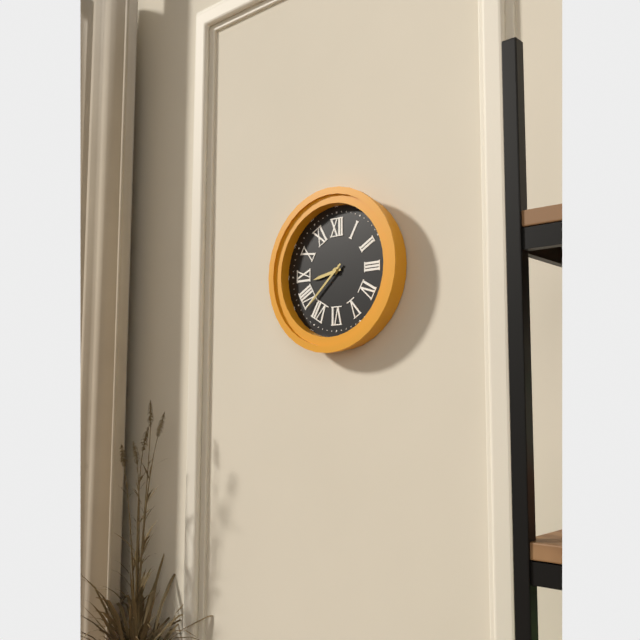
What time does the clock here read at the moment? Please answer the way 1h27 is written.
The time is 8h38
